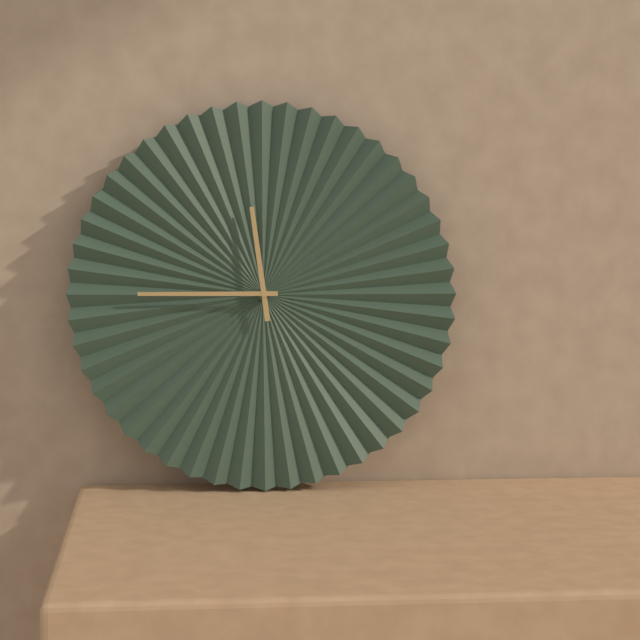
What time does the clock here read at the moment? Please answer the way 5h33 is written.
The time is 11h45
